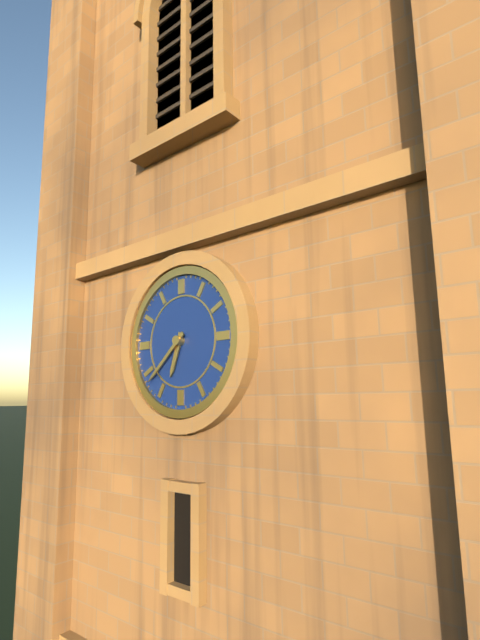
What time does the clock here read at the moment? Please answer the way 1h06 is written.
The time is 6h38
